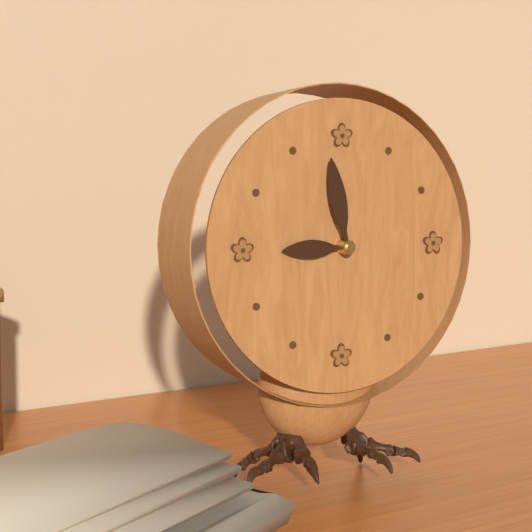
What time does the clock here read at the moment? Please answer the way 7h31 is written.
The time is 8h58
